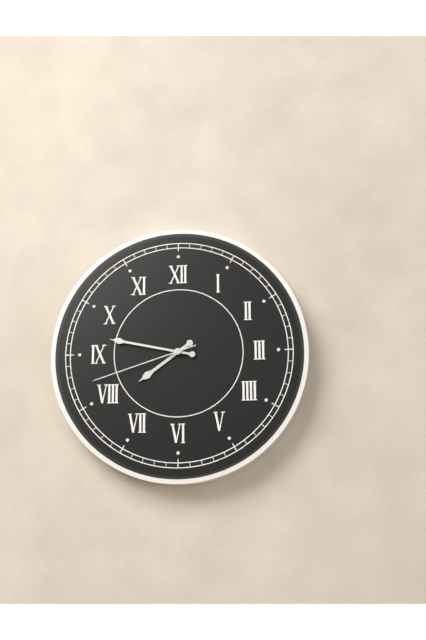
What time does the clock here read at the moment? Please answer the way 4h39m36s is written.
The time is 7h47m42s
